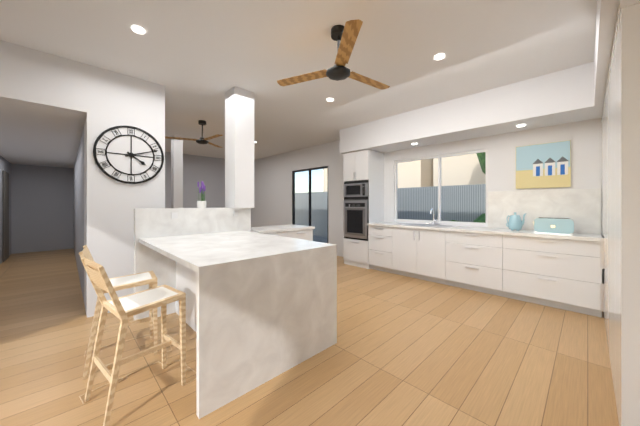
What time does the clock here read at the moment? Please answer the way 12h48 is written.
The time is 4h12
